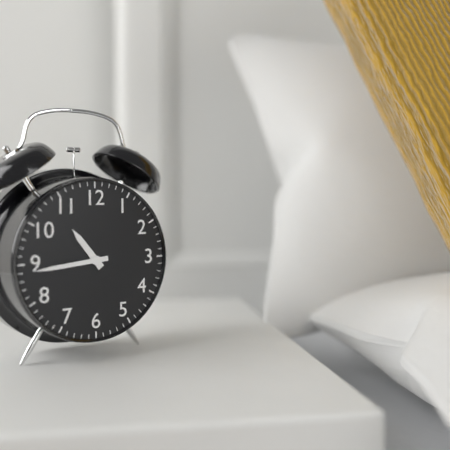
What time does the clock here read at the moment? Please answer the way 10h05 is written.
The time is 10h44
